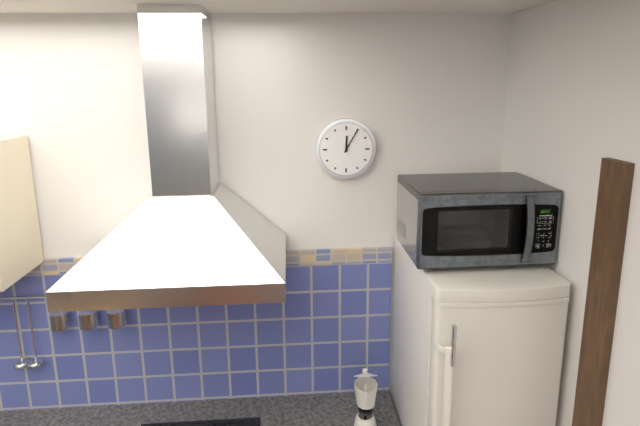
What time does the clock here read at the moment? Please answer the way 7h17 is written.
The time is 12h05
